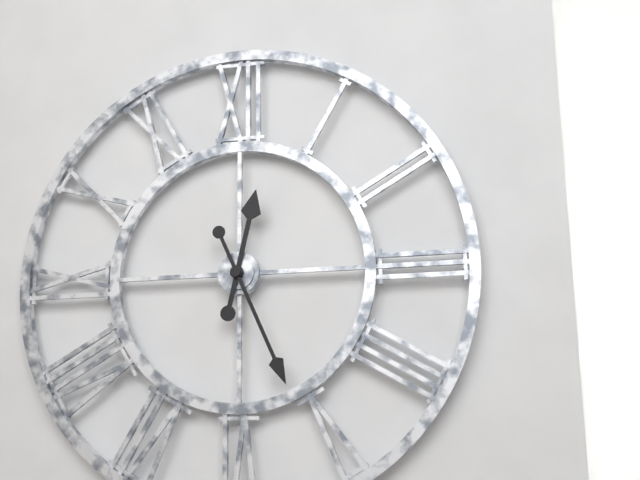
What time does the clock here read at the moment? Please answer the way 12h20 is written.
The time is 12h26
